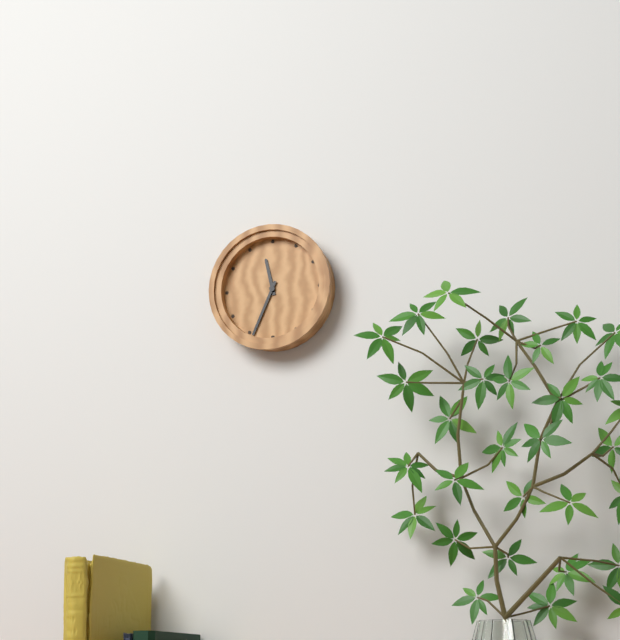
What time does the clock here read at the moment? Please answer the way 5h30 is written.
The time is 11h34
